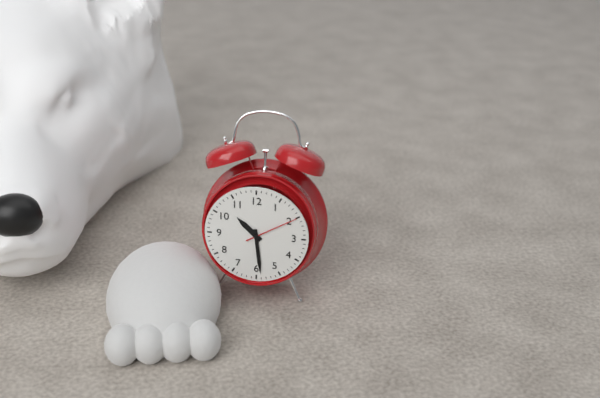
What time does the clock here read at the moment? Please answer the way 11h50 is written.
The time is 10h29
